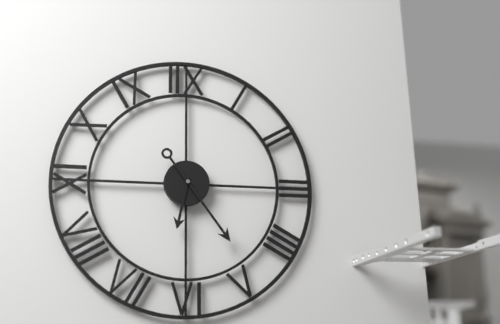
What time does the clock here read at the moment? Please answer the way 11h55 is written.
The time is 6h24
